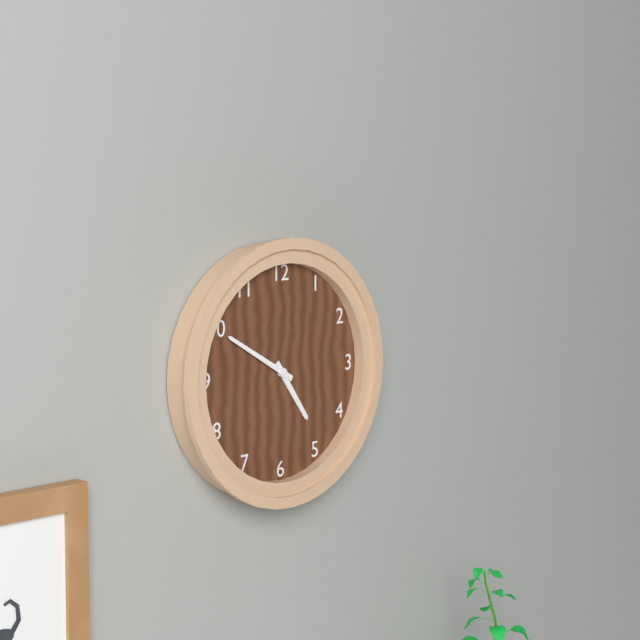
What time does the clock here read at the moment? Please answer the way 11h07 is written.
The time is 4h50
